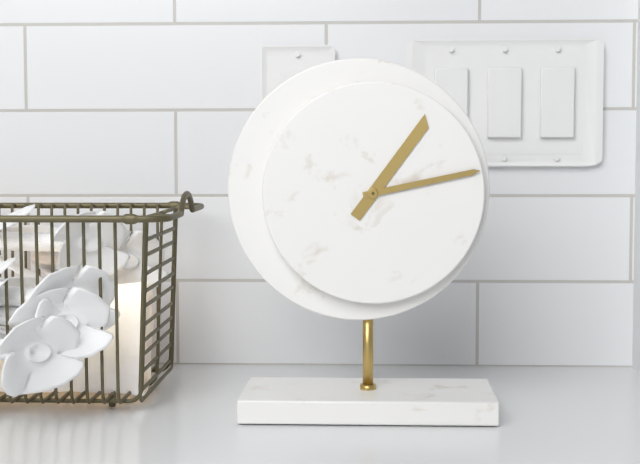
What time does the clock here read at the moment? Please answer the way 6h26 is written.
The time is 1h13
